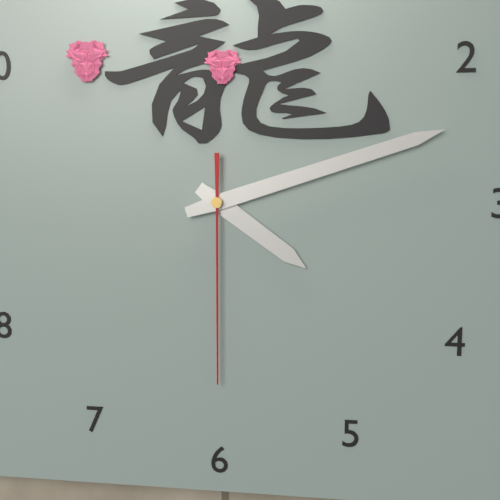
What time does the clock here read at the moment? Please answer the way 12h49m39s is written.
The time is 4h12m30s
